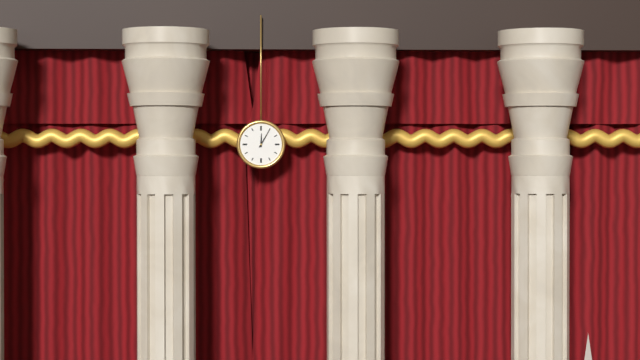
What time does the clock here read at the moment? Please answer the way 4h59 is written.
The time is 12h05
